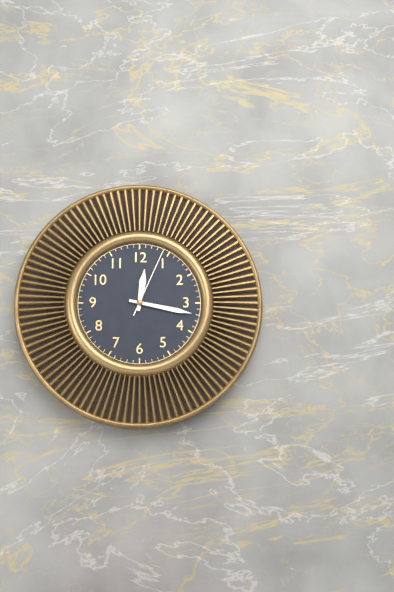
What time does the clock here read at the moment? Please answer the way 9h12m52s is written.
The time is 12h17m04s
